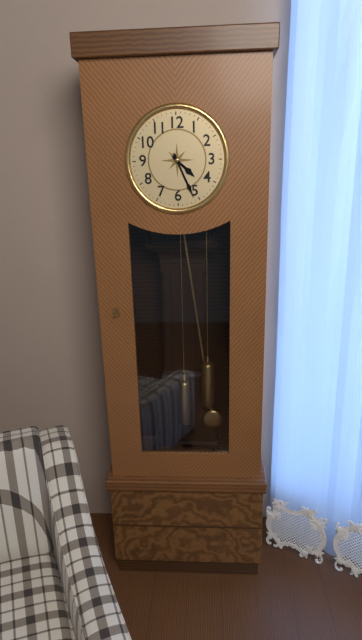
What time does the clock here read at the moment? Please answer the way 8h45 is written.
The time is 4h26
